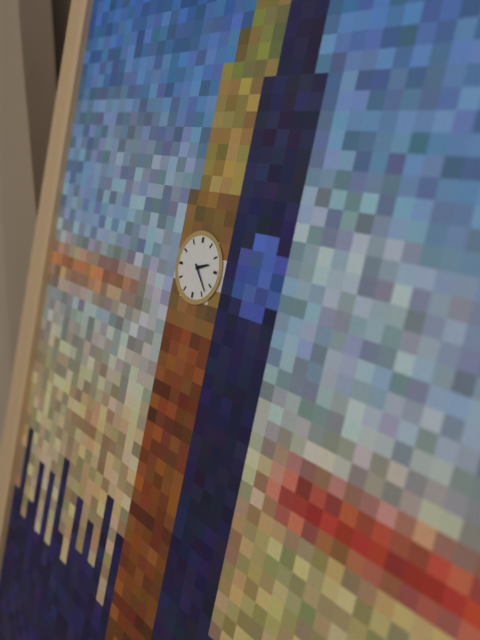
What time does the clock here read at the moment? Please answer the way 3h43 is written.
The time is 2h23
